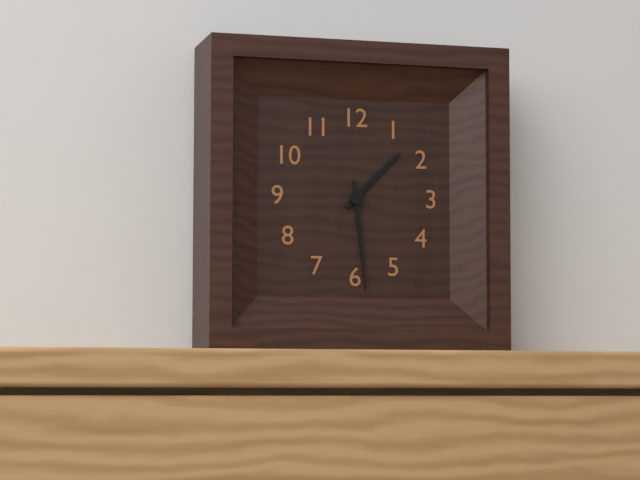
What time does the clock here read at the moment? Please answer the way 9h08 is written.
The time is 1h29
